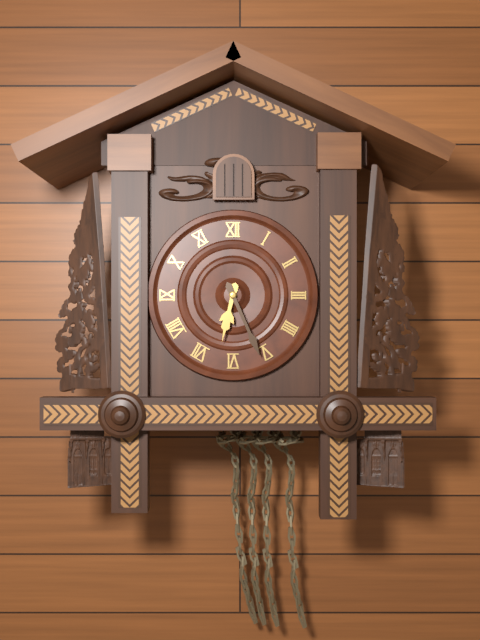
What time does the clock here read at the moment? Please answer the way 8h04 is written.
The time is 6h26
